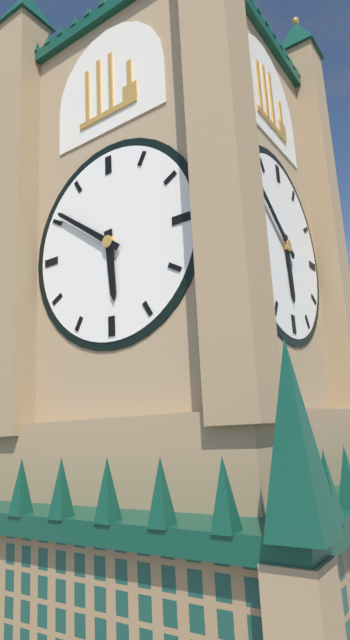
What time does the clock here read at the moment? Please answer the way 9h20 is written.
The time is 5h51
